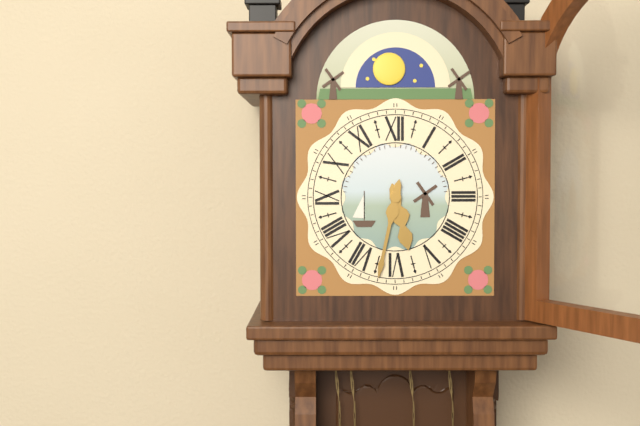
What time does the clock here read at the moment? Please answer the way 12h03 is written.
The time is 5h32
